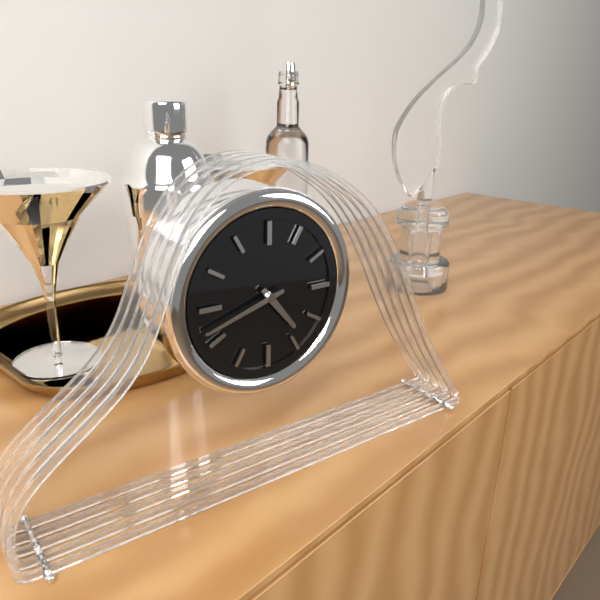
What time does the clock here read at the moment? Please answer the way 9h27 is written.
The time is 4h42
